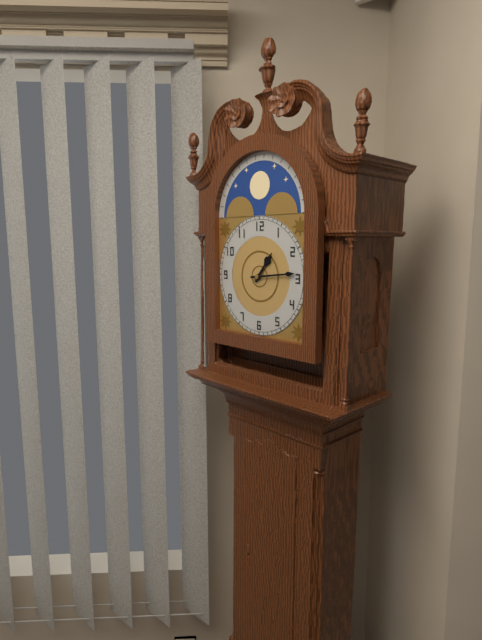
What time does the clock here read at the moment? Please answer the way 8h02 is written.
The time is 1h14
